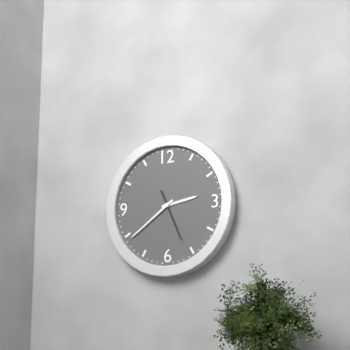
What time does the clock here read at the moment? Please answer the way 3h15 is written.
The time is 2h39
